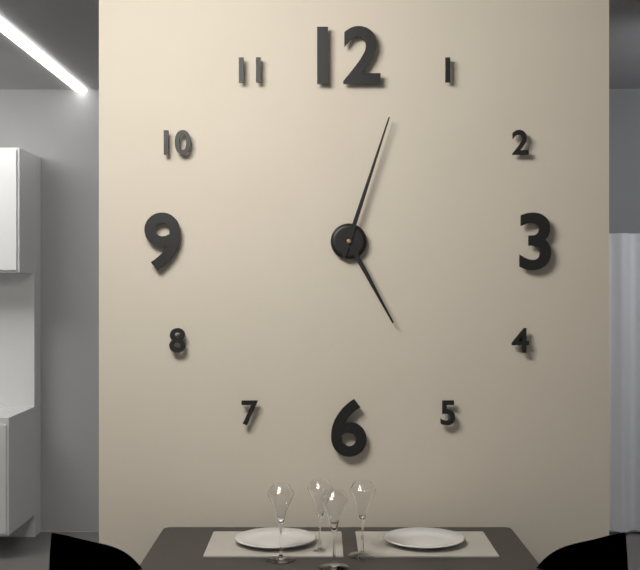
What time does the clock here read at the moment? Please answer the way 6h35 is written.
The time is 5h03
